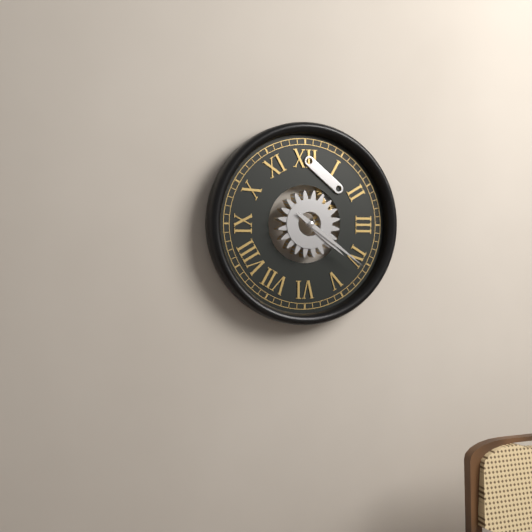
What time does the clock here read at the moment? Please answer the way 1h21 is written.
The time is 4h21
